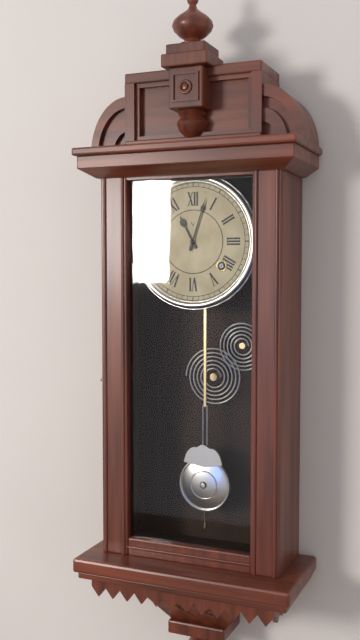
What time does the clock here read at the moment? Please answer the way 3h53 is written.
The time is 11h03
